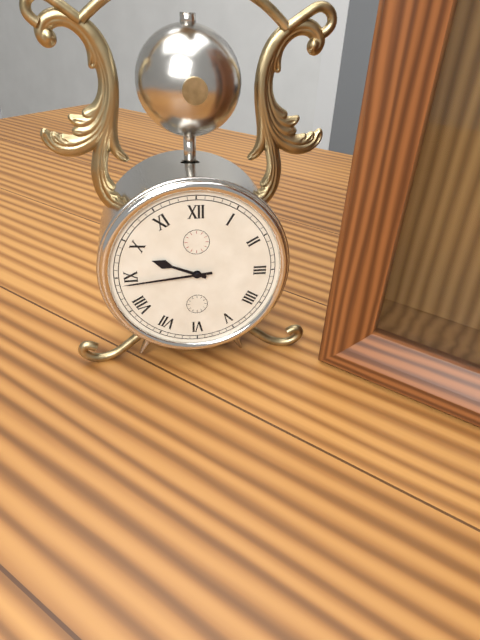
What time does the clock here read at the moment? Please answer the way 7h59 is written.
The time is 9h44
